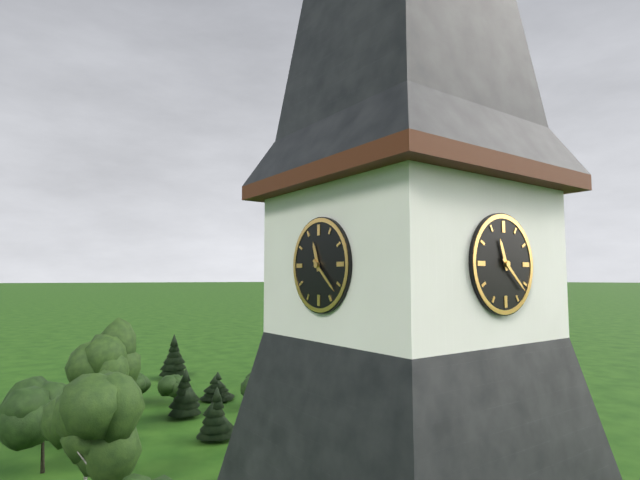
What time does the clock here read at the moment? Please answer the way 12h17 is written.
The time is 11h22
